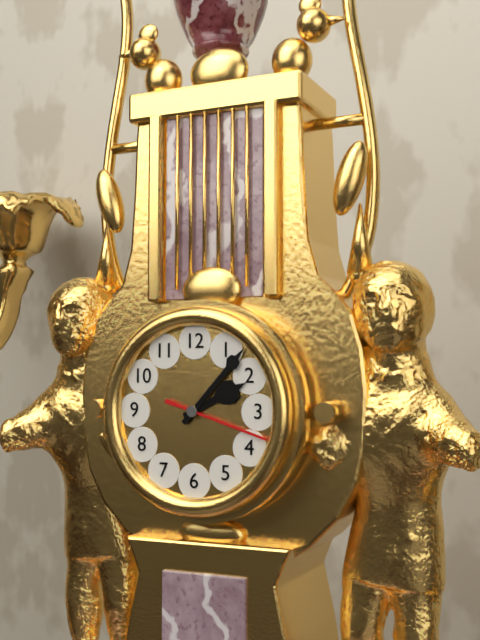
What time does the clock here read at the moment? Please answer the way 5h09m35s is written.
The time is 2h07m18s
